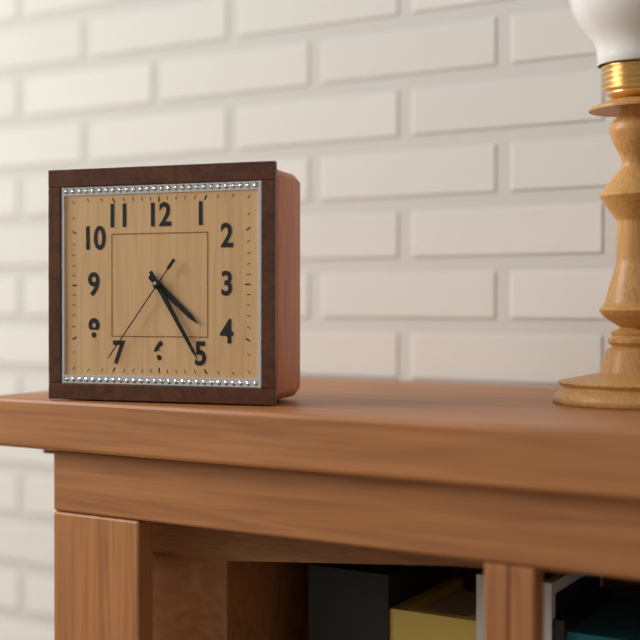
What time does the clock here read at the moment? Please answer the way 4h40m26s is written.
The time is 4h25m36s
